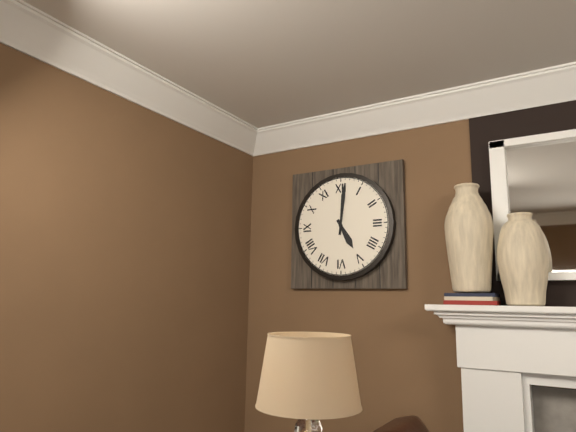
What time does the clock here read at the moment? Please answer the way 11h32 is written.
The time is 5h01
